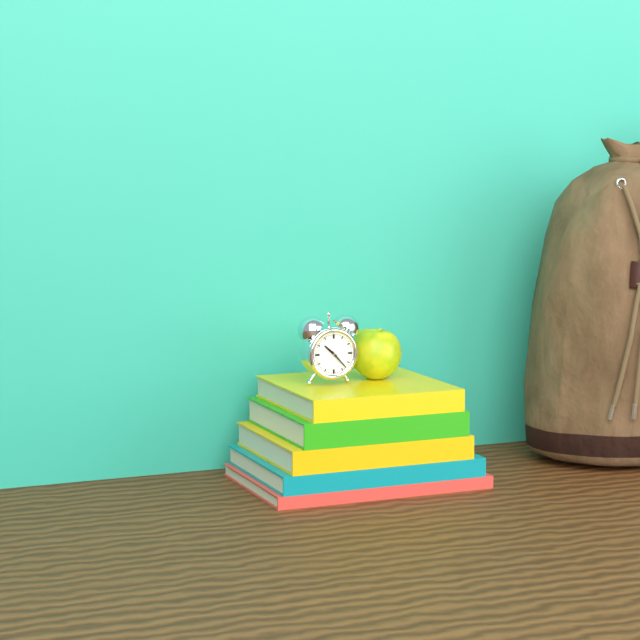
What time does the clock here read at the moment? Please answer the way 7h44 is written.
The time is 10h23
